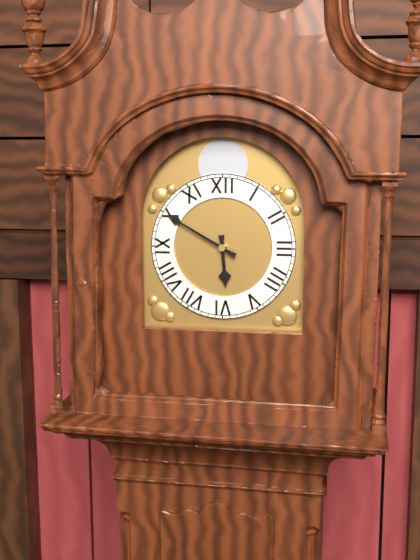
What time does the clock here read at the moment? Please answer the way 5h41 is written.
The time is 5h50
